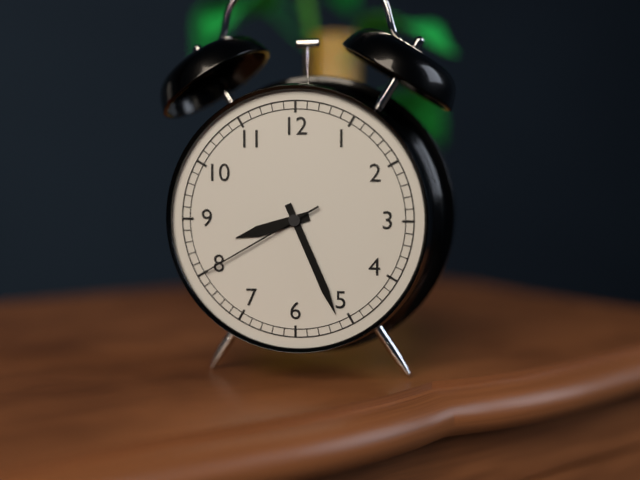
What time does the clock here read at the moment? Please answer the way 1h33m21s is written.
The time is 8h26m40s
